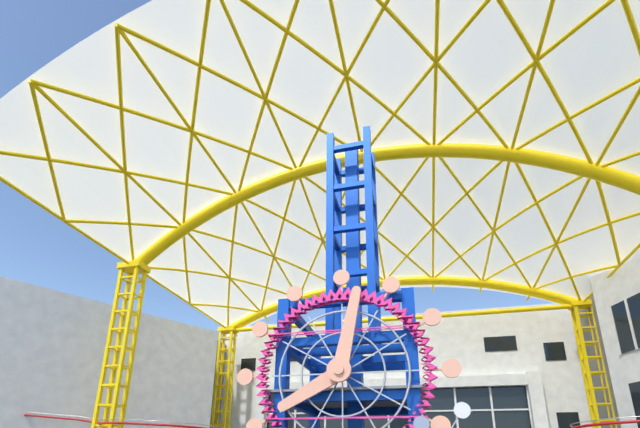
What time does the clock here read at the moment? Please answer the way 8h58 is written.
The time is 8h02
